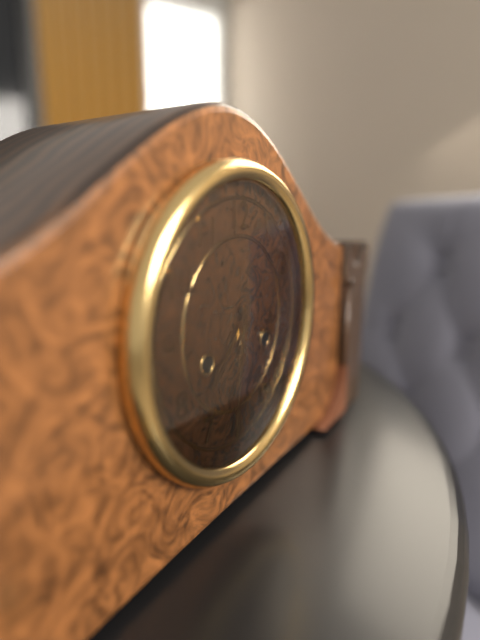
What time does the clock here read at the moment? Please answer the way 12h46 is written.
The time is 7h31
